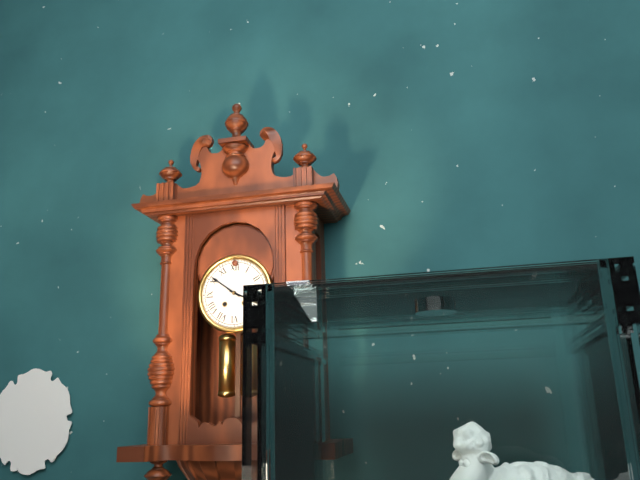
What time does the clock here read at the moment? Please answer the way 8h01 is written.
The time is 3h51
